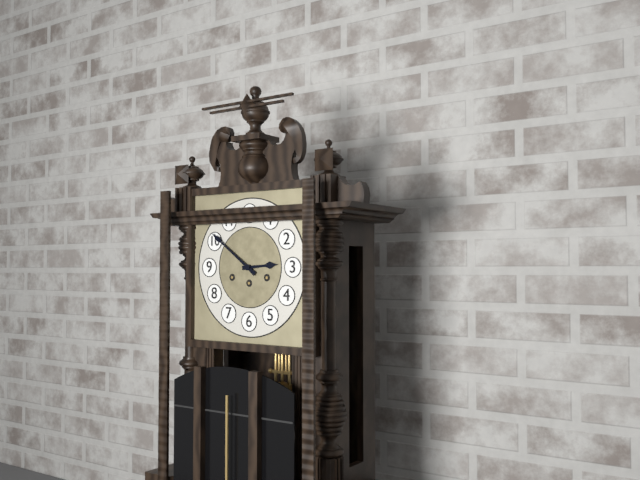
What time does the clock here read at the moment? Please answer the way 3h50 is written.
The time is 2h51
